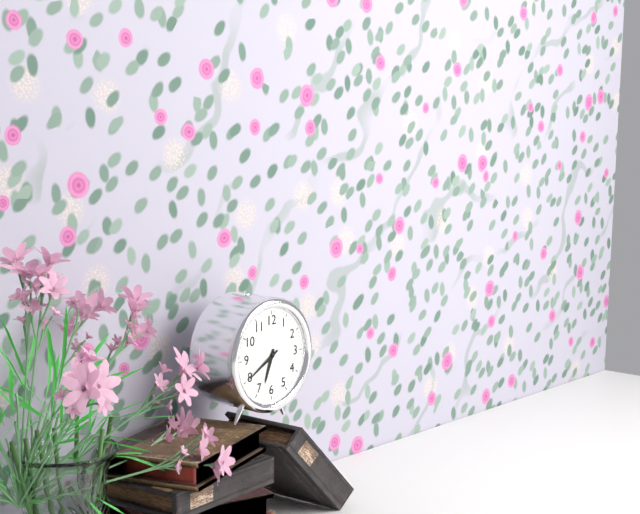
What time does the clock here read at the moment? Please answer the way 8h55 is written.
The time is 6h40
